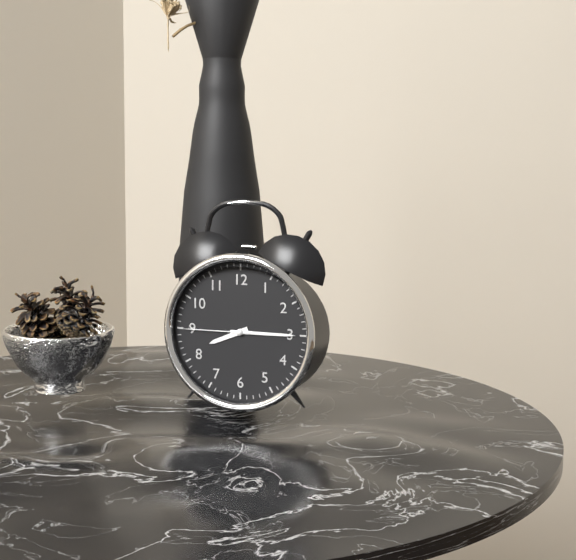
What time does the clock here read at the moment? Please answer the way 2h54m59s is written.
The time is 8h15m45s
